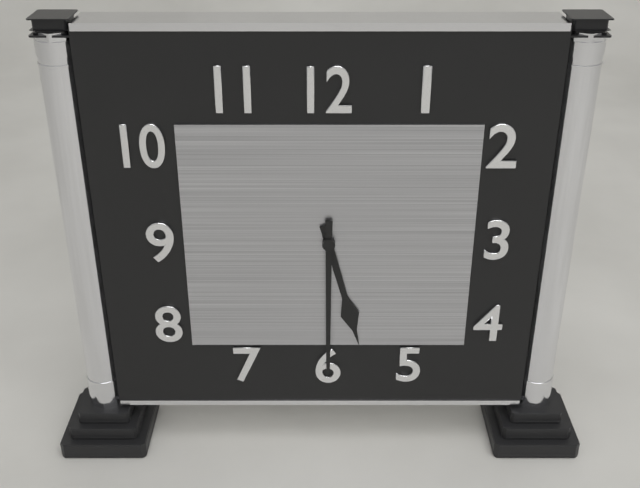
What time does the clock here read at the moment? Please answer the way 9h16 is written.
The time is 5h30
